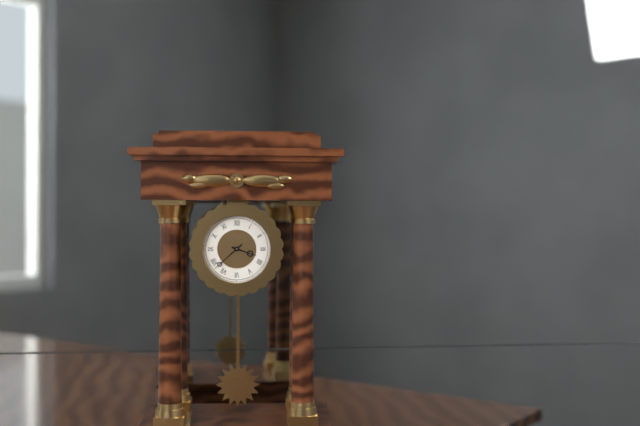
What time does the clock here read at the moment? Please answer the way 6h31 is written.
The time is 3h38
